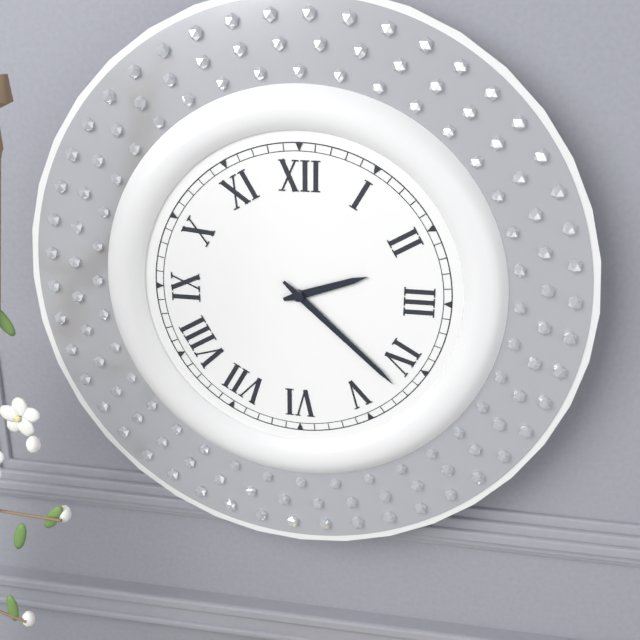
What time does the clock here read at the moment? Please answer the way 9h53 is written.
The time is 2h22
